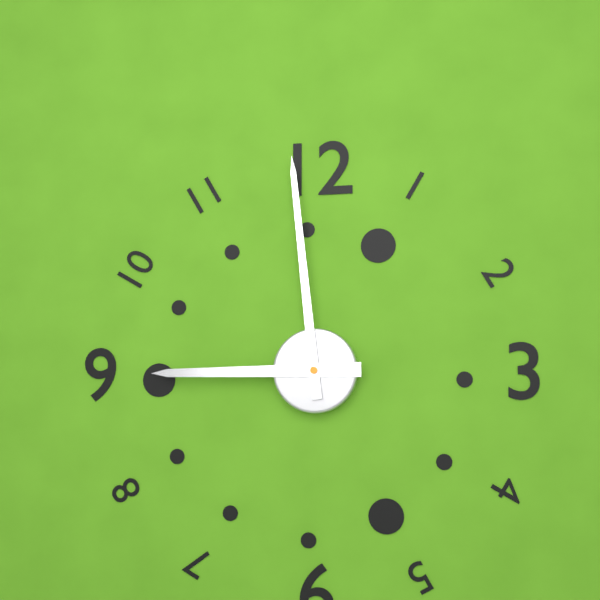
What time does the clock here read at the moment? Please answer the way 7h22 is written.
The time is 8h59
